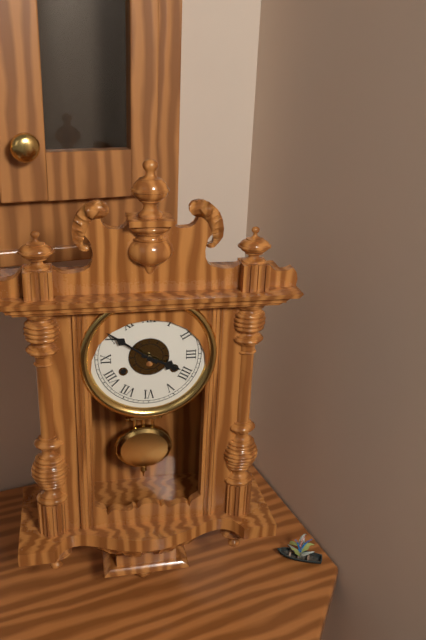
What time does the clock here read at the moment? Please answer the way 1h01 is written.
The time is 3h51
